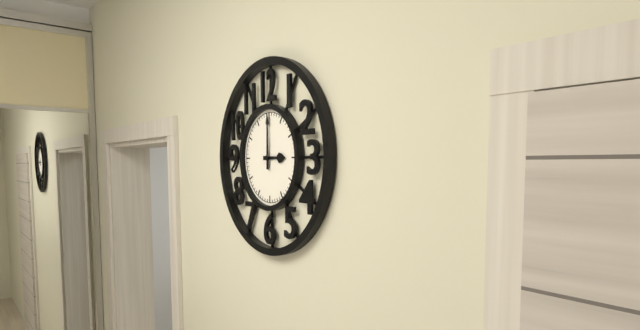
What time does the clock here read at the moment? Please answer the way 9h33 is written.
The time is 3h00
